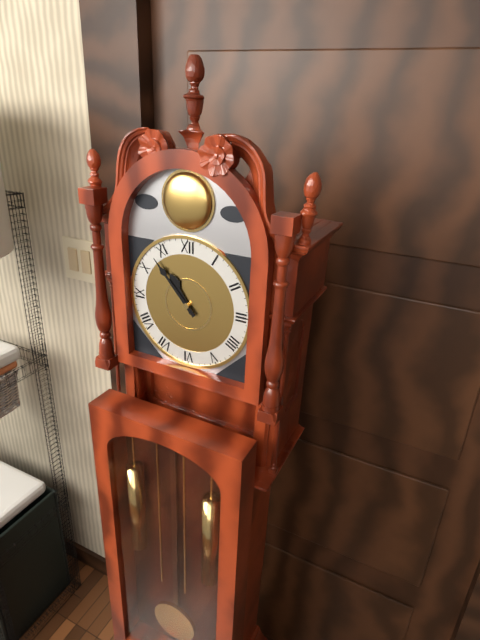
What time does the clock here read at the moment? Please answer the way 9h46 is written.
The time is 10h53
